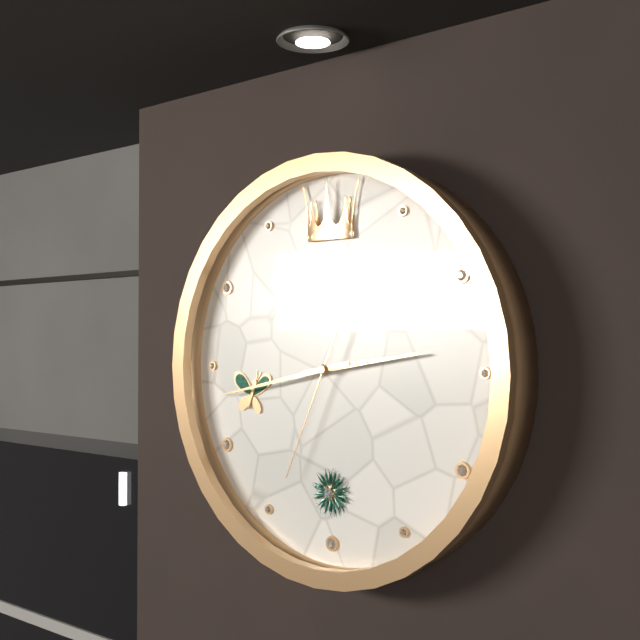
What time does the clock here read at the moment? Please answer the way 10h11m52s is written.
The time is 2h43m34s
